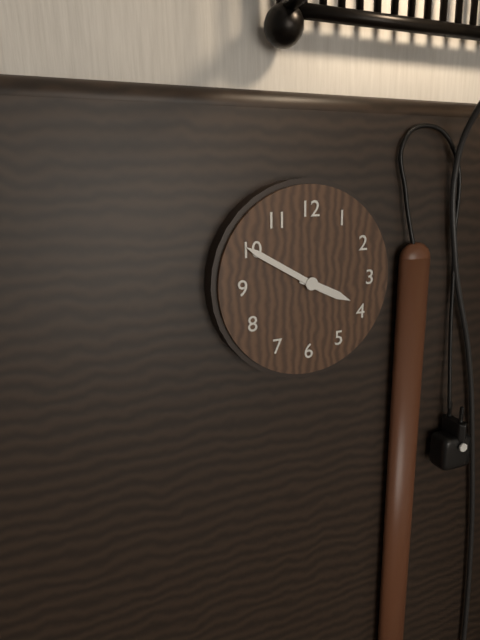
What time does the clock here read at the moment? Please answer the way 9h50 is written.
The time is 3h50
